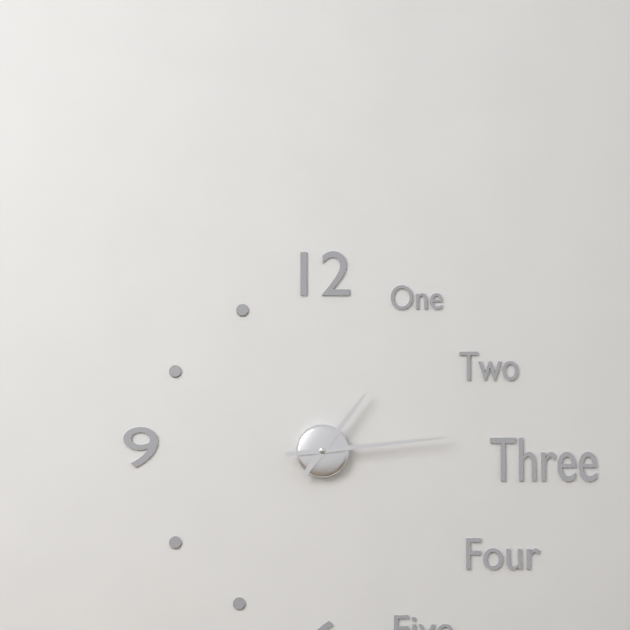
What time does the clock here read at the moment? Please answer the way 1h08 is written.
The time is 1h14
